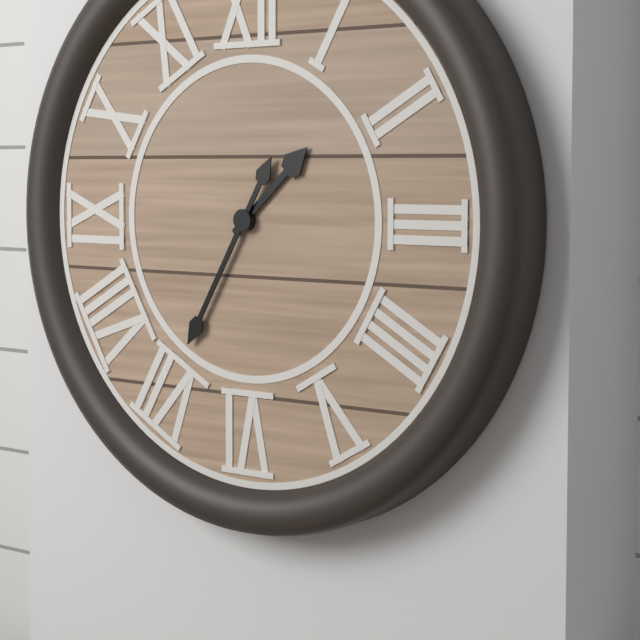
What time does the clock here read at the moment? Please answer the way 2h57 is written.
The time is 1h35
